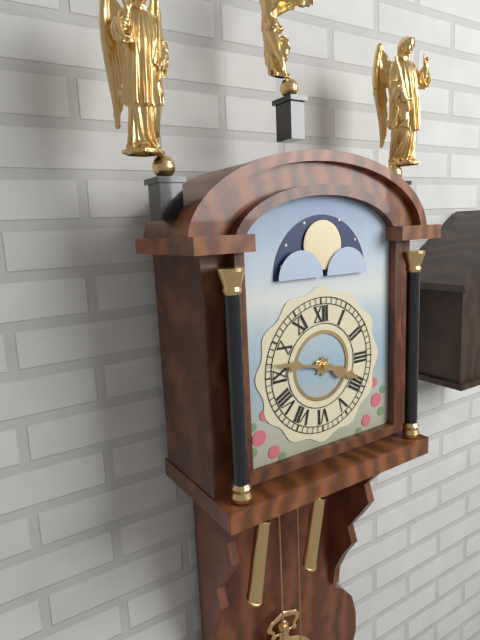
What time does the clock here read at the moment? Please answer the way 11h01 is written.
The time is 3h47
